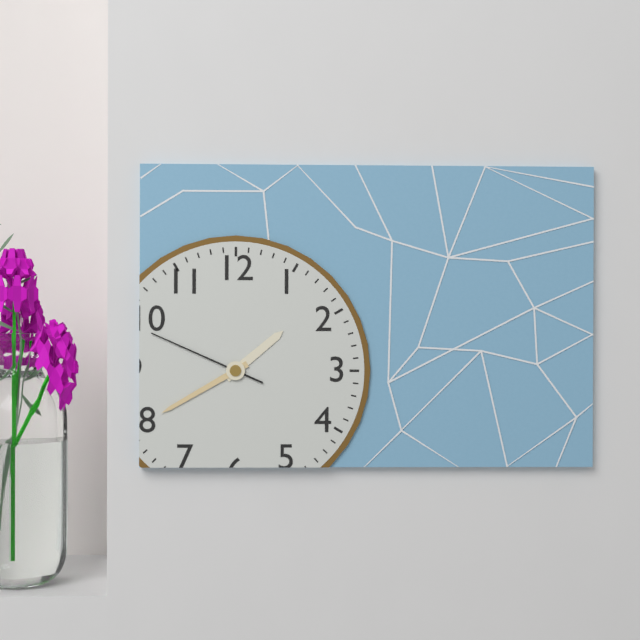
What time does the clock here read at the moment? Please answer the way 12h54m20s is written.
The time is 1h40m49s
